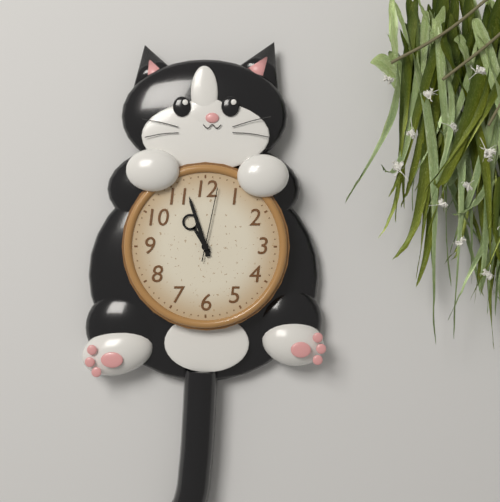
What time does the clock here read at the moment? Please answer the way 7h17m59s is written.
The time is 10h57m02s
